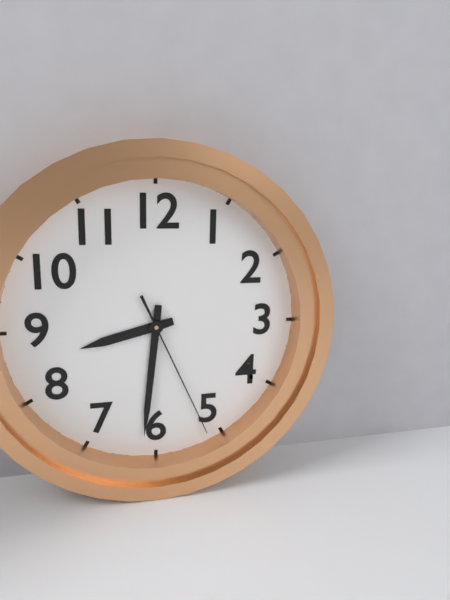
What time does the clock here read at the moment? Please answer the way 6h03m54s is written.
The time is 8h31m26s
